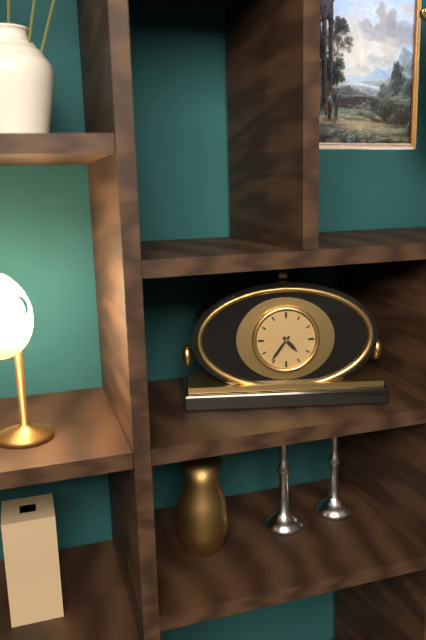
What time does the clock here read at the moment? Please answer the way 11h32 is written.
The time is 4h36
